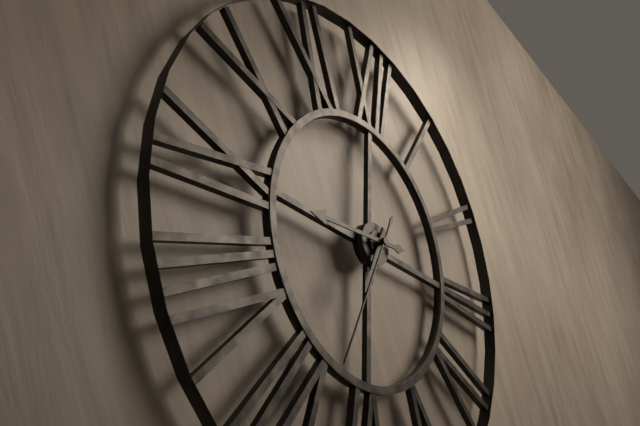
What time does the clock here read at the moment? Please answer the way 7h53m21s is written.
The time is 6h44m34s
